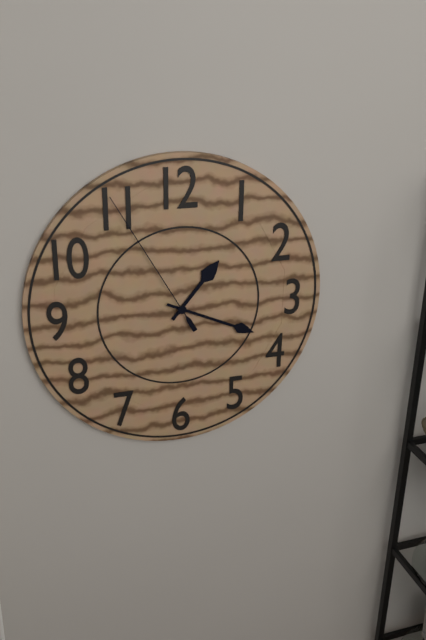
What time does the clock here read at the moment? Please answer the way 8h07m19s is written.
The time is 1h19m55s
